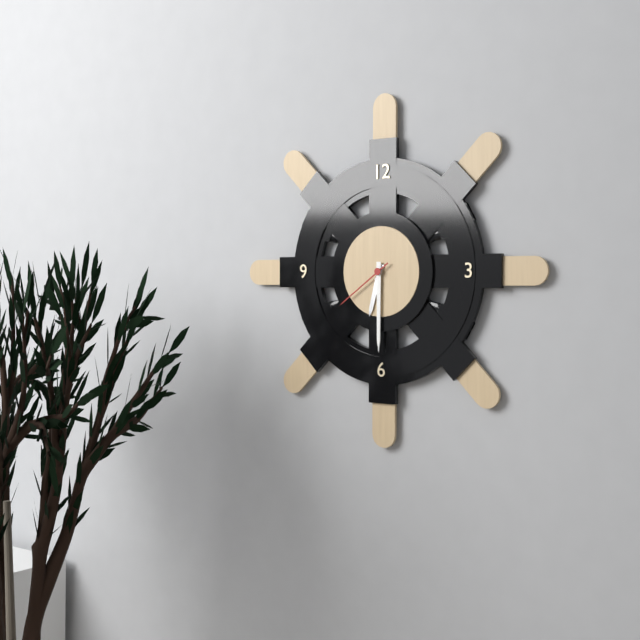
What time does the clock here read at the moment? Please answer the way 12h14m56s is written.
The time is 6h30m39s
